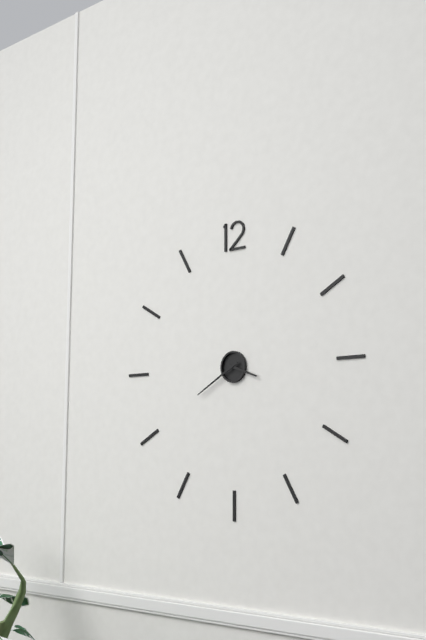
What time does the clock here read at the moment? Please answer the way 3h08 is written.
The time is 3h40
